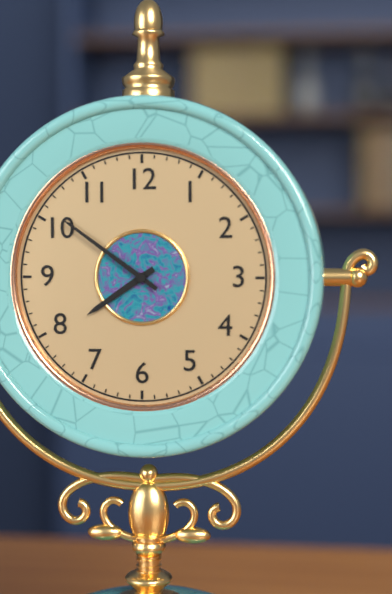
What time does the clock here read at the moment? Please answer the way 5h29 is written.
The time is 7h51
